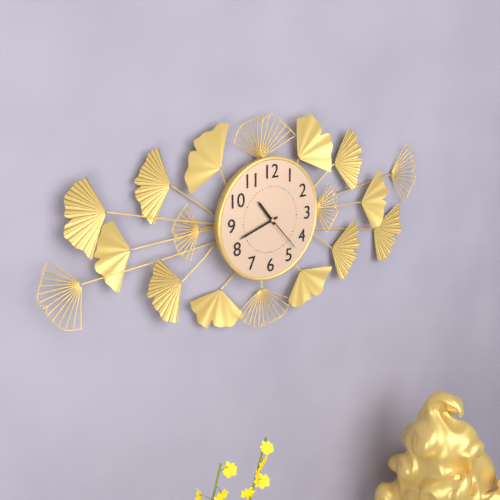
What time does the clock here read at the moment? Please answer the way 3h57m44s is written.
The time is 10h42m23s
